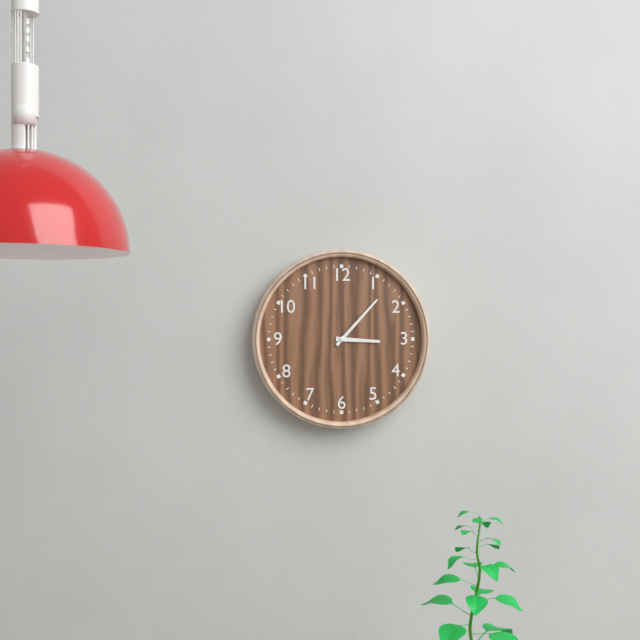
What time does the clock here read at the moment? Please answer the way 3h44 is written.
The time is 3h07
